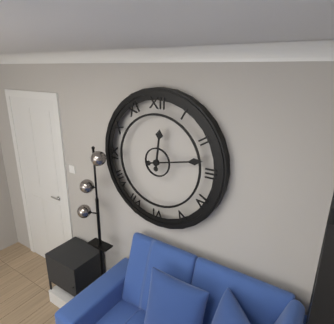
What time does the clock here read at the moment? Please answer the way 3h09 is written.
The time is 12h13
